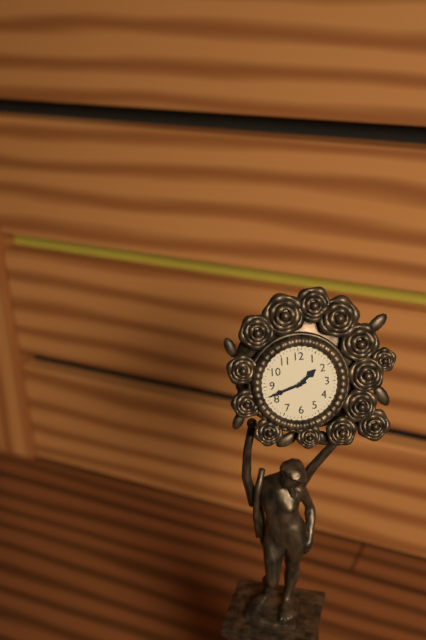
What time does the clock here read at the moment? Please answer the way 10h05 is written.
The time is 1h42
